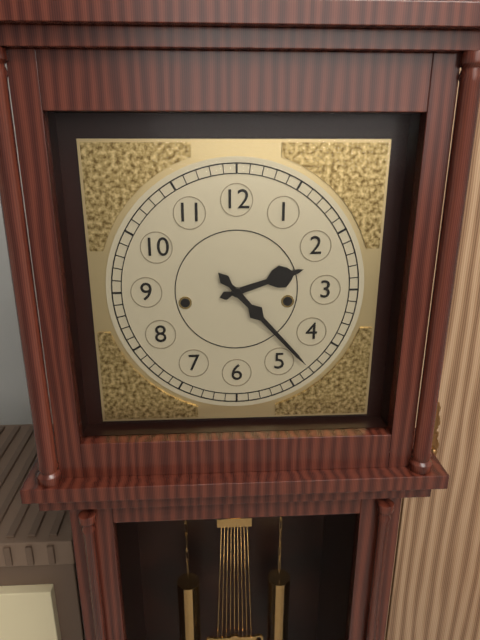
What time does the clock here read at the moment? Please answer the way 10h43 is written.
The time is 2h23
